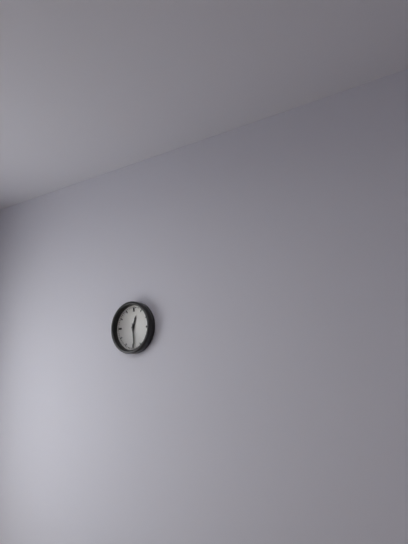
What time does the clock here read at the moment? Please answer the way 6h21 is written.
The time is 12h29
